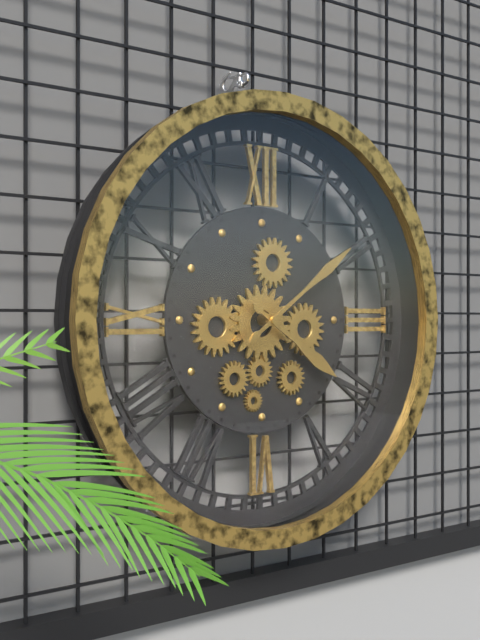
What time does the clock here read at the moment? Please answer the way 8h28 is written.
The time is 4h09
